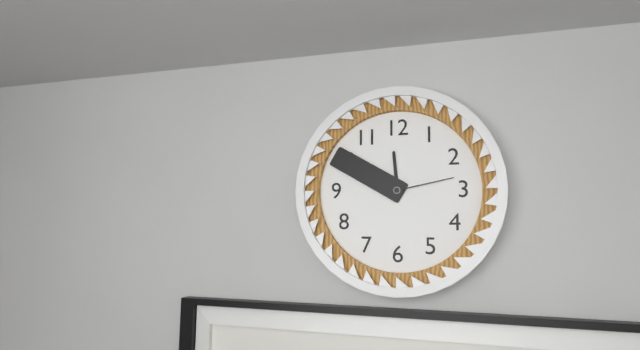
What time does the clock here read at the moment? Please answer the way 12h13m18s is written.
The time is 11h50m13s
